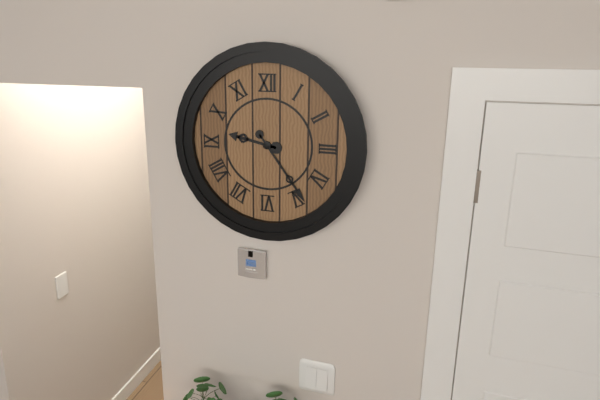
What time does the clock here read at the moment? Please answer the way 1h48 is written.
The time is 9h24
